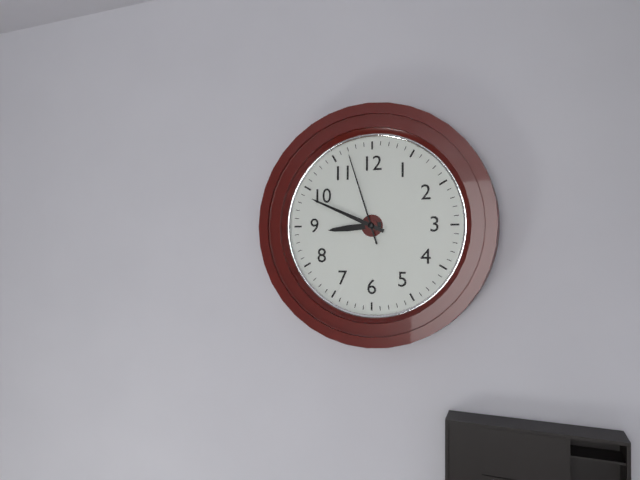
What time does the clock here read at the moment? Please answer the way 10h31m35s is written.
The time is 8h49m57s
